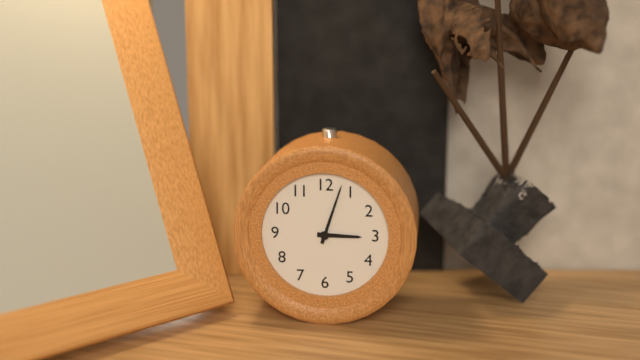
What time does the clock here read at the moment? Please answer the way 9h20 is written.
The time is 3h03
